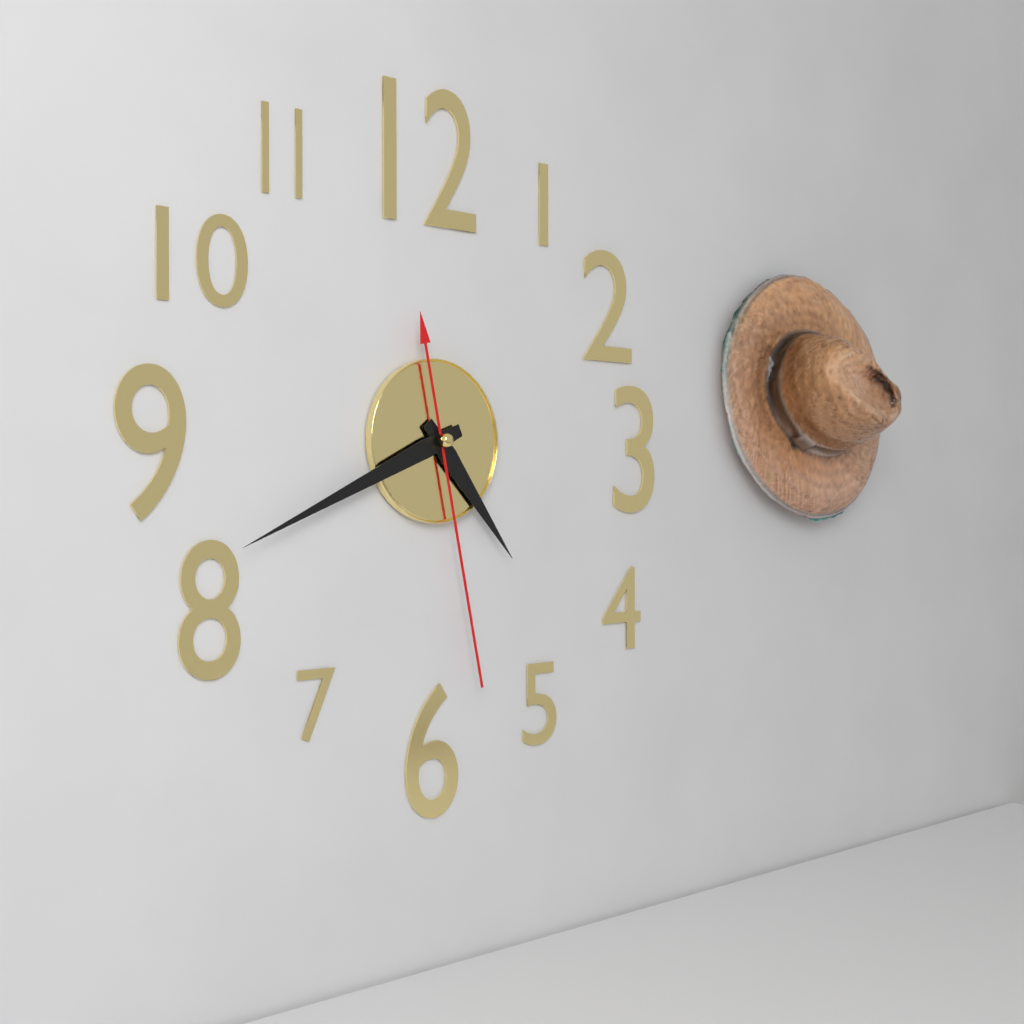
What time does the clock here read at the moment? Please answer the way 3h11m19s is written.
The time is 4h41m28s
